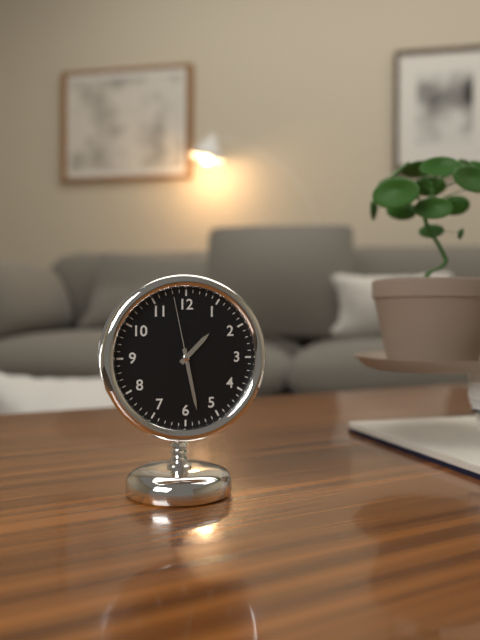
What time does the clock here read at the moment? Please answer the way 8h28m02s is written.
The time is 1h28m58s
